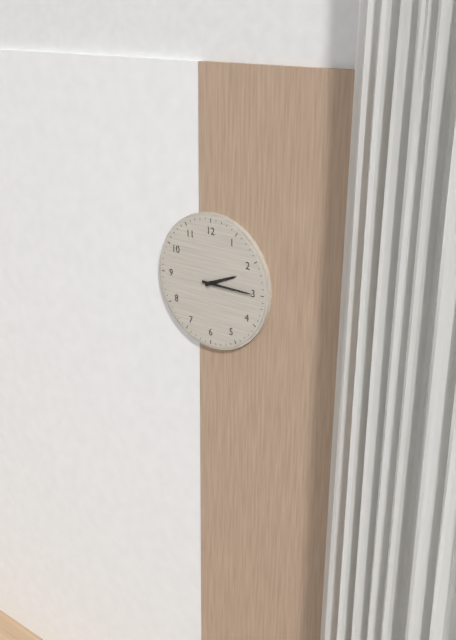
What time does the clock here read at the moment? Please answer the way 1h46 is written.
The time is 2h15
